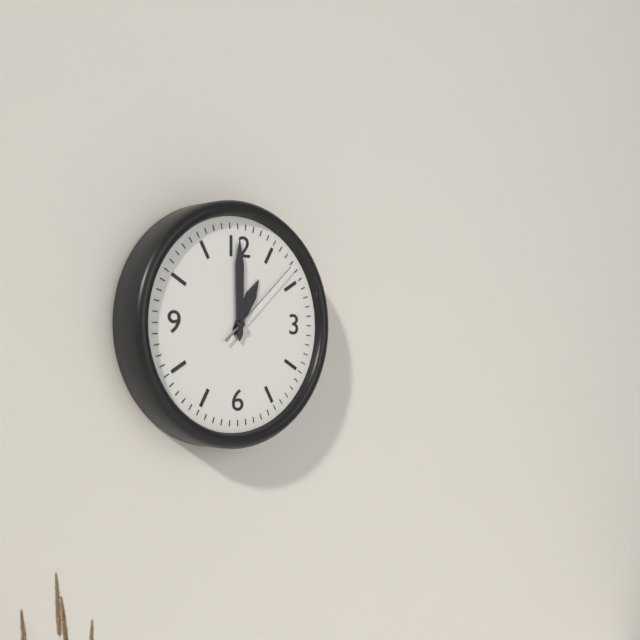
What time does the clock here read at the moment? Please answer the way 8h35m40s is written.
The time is 1h00m08s
